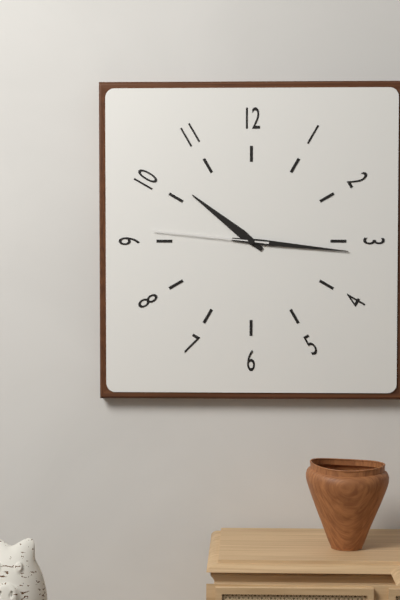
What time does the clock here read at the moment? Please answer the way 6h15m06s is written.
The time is 10h16m46s
